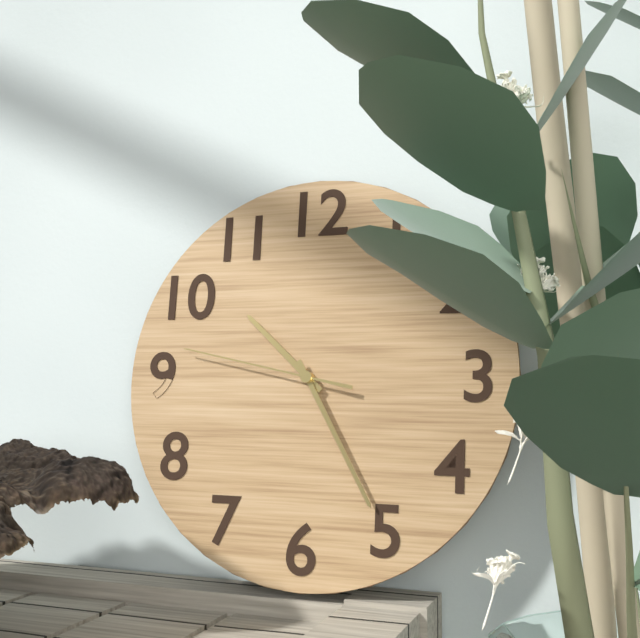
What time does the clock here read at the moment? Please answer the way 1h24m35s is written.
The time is 10h25m47s
